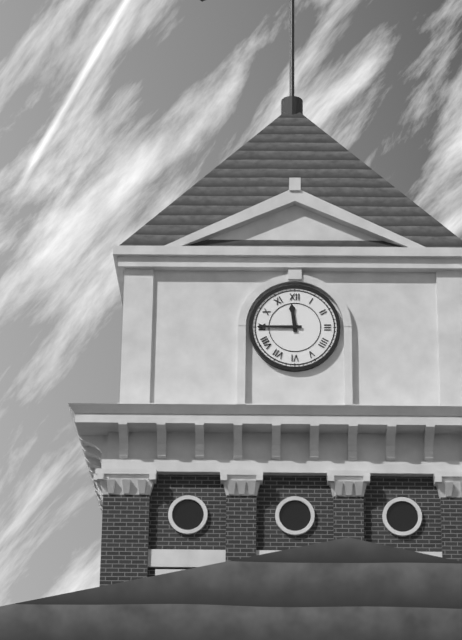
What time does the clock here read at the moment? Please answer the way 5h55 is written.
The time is 11h45
